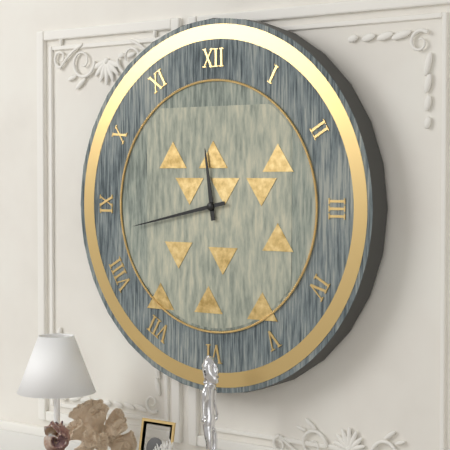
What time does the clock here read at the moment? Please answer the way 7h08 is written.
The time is 11h43
